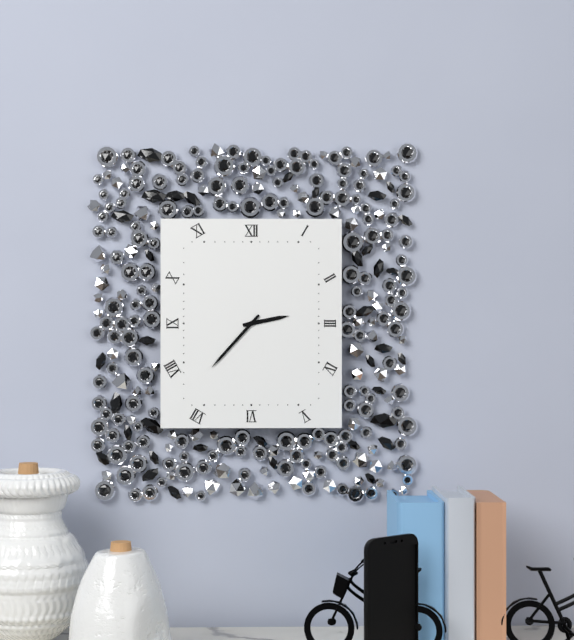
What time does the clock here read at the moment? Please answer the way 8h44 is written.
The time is 2h37
